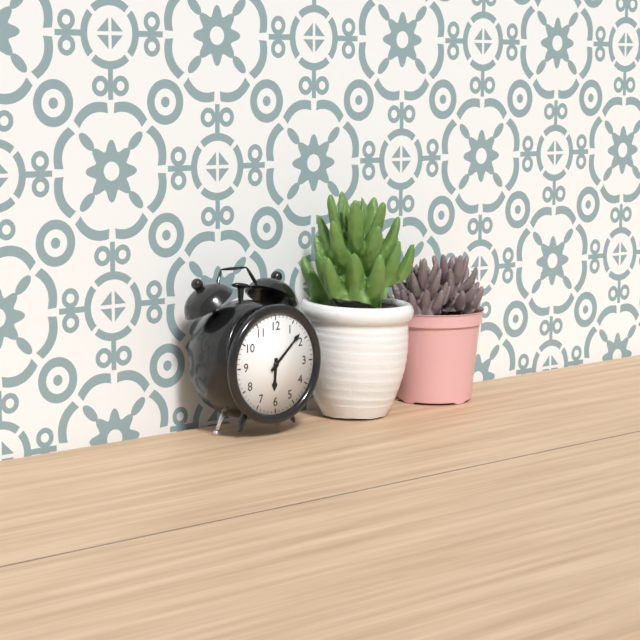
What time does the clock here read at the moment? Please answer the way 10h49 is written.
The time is 6h08
